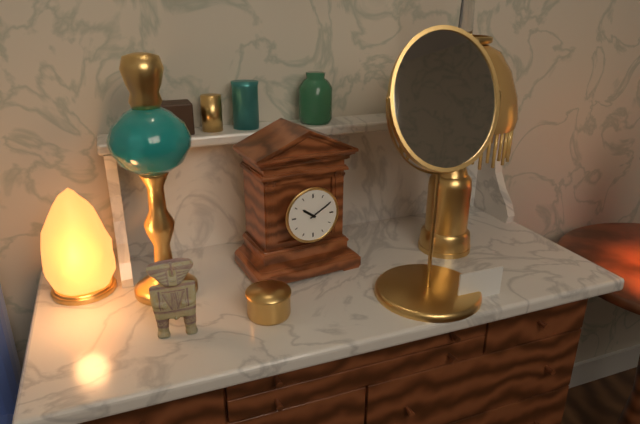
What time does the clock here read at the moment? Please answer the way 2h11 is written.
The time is 10h10
